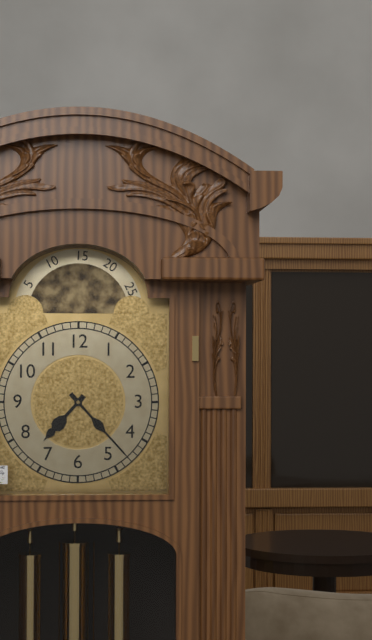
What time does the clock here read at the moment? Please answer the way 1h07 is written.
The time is 7h23
